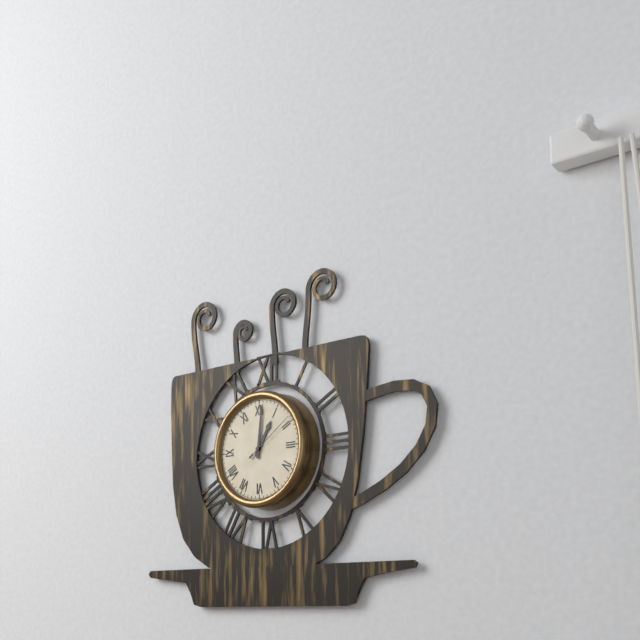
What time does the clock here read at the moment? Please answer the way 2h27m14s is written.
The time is 1h01m09s
